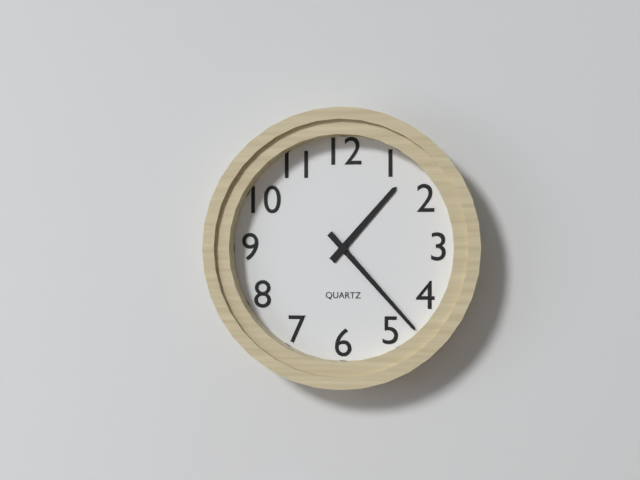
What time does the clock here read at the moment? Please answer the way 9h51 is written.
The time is 1h23
